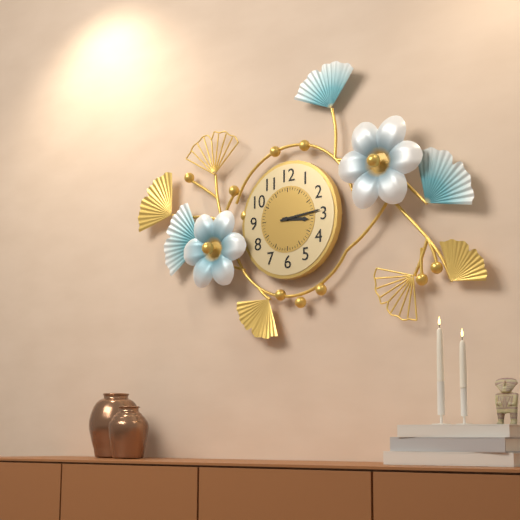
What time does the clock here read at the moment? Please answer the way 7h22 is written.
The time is 3h14
